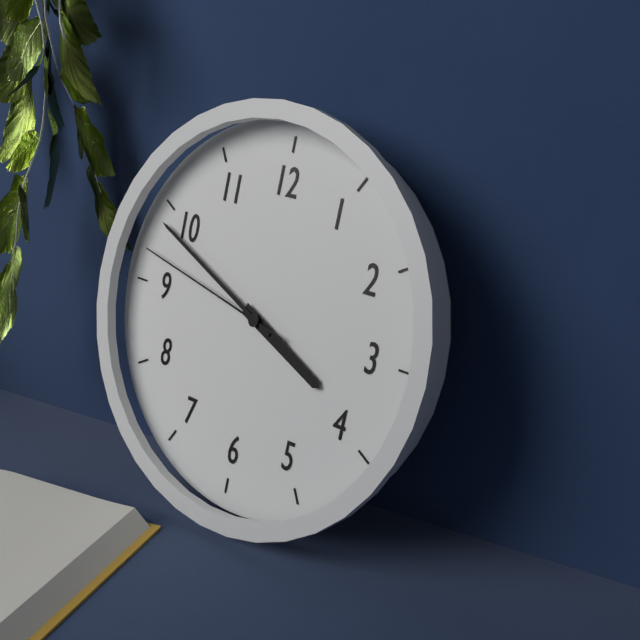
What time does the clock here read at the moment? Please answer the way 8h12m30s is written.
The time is 3h49m47s
